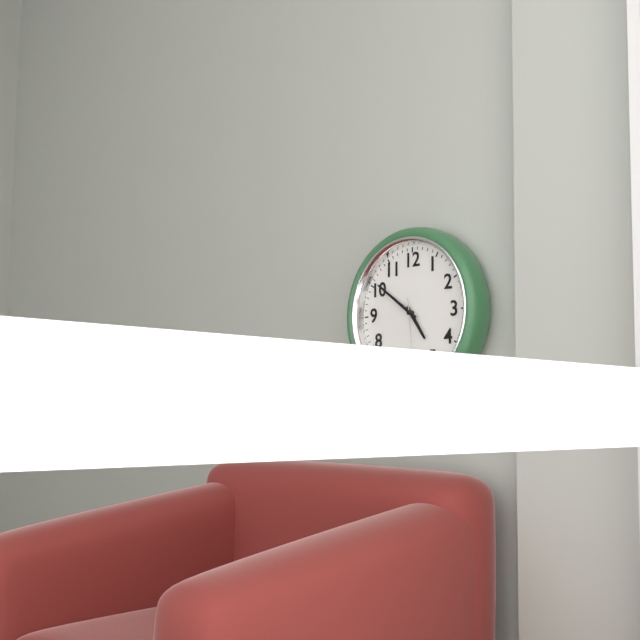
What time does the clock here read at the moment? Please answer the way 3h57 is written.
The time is 4h51
